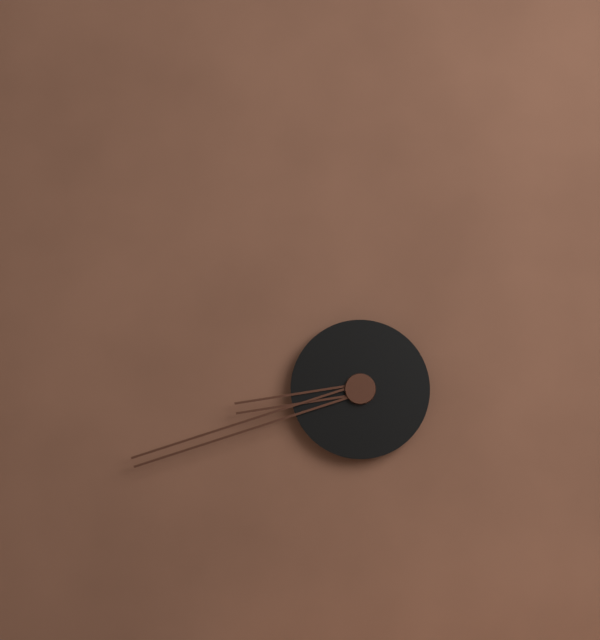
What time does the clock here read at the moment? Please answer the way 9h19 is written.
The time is 8h42
